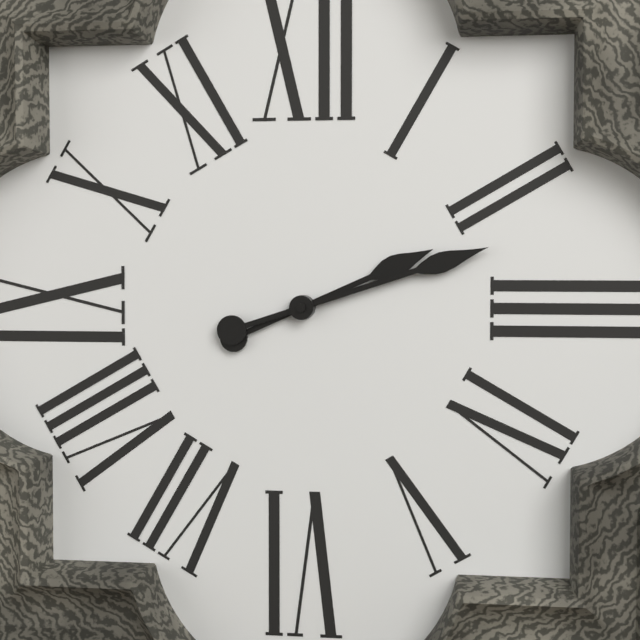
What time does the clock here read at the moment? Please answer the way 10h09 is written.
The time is 2h12
